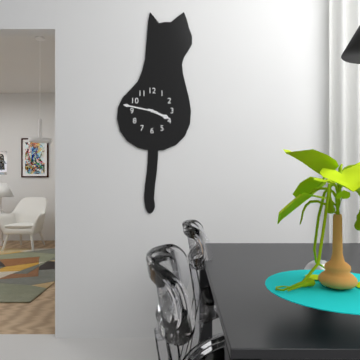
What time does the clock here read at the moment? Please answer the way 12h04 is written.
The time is 3h47
